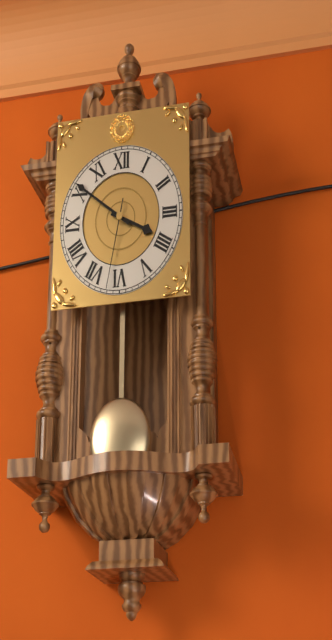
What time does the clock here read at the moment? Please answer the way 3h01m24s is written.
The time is 3h51m32s
